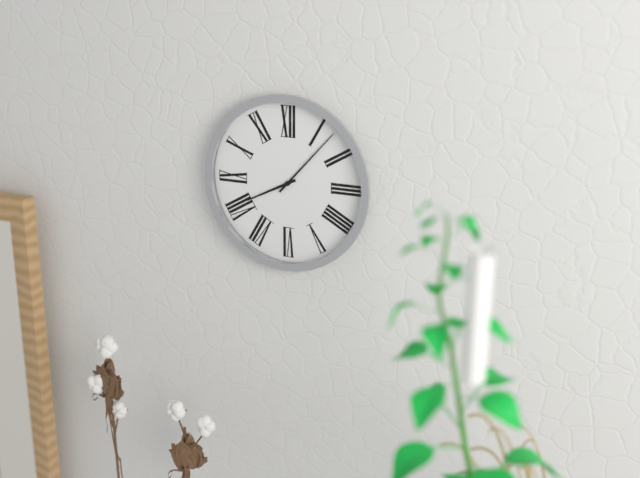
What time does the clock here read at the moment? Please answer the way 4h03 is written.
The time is 8h07
